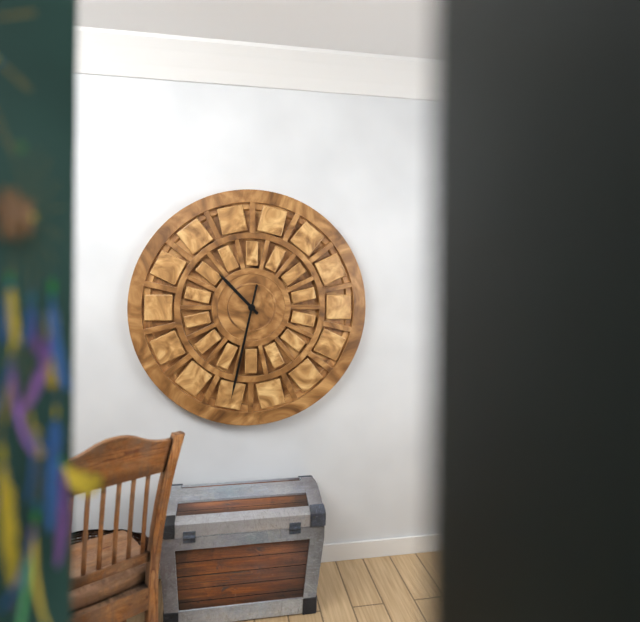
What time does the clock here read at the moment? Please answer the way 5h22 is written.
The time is 10h32
